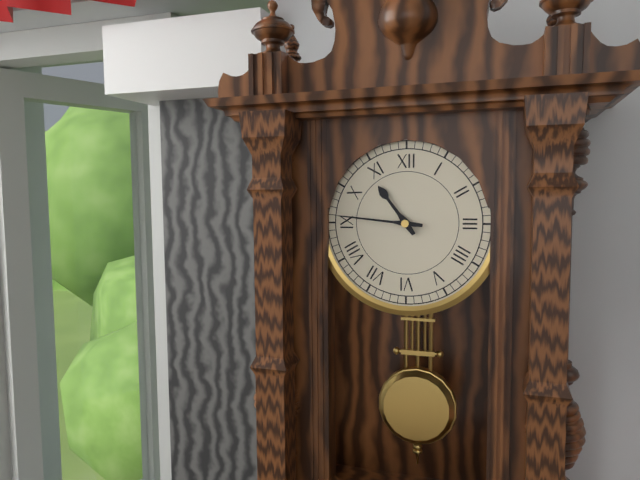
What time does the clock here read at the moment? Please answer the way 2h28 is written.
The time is 10h46
